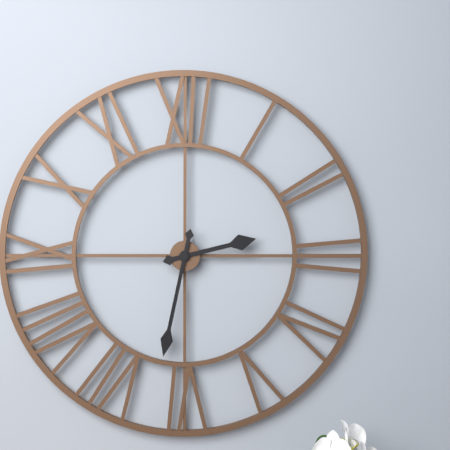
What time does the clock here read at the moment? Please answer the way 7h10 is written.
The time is 2h32
